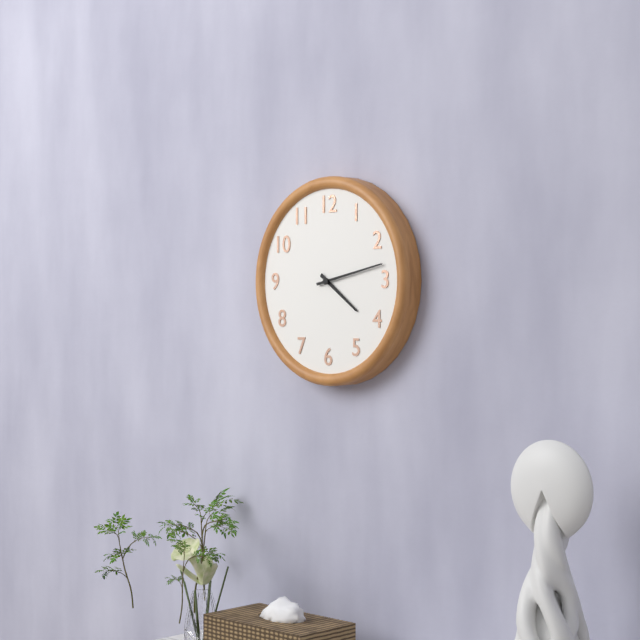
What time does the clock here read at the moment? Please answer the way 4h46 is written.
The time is 4h13
